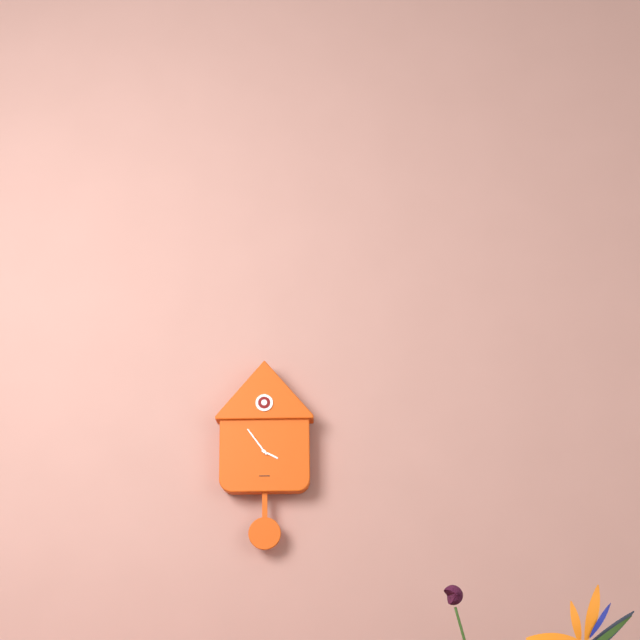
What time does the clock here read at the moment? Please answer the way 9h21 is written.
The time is 3h54
